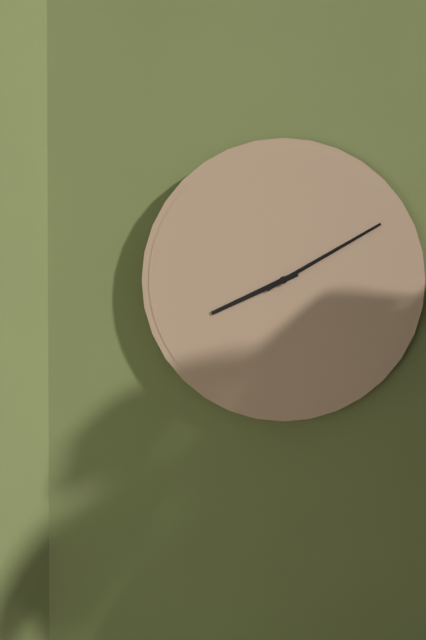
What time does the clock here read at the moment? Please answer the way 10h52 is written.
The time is 8h10
